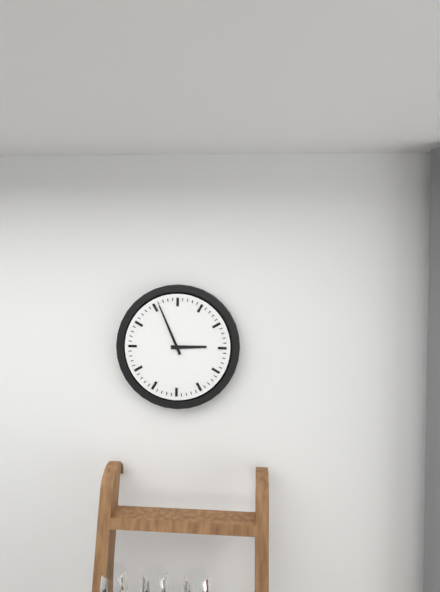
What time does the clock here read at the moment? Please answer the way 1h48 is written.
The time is 2h56
